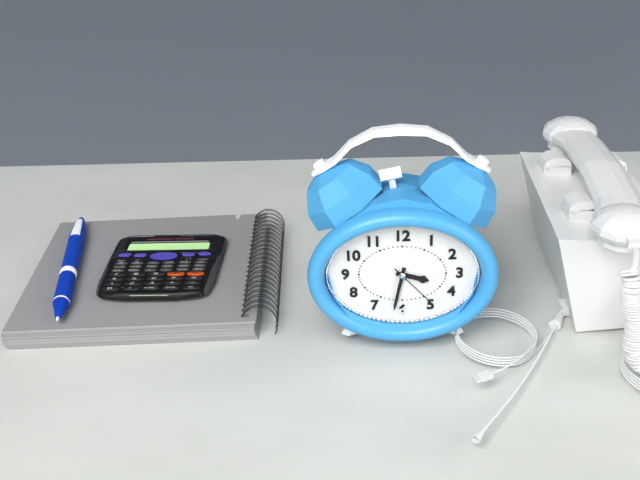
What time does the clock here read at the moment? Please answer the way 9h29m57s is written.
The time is 3h32m23s
